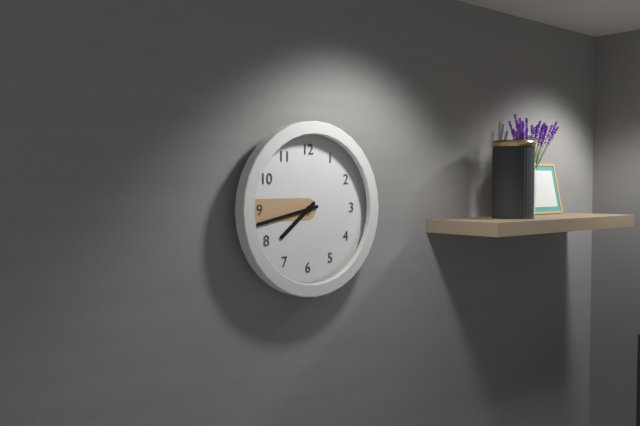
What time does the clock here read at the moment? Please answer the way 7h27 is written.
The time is 7h43
